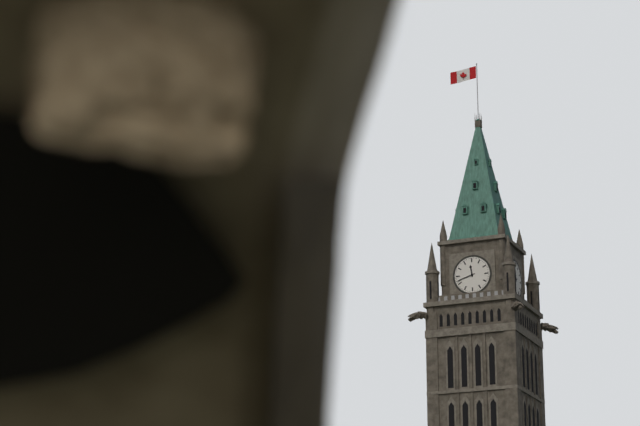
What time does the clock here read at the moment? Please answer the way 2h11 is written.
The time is 11h42
